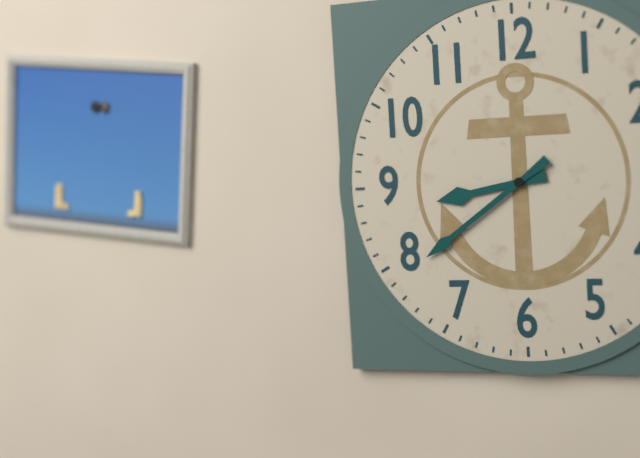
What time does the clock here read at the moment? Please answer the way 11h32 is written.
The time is 8h39
